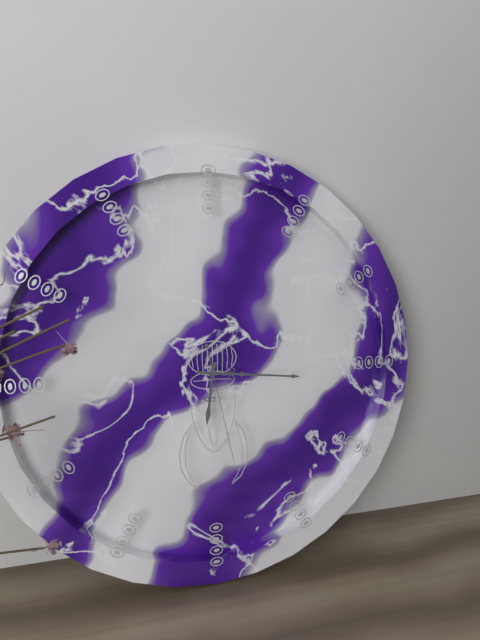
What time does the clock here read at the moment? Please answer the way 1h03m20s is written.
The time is 6h16m28s
